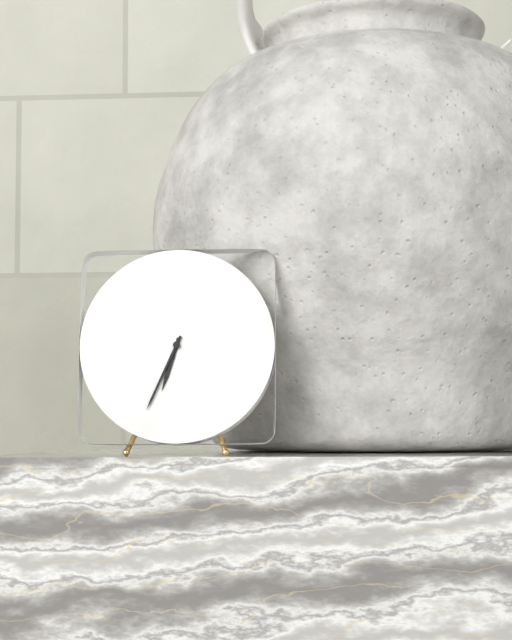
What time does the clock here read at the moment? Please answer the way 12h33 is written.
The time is 6h34
